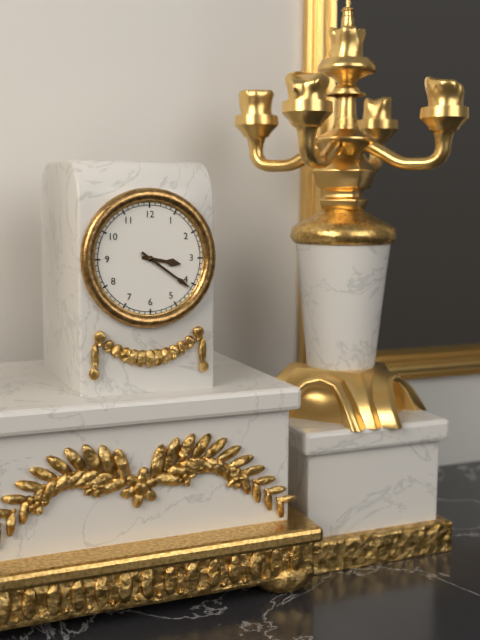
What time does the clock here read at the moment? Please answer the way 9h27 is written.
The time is 3h21
